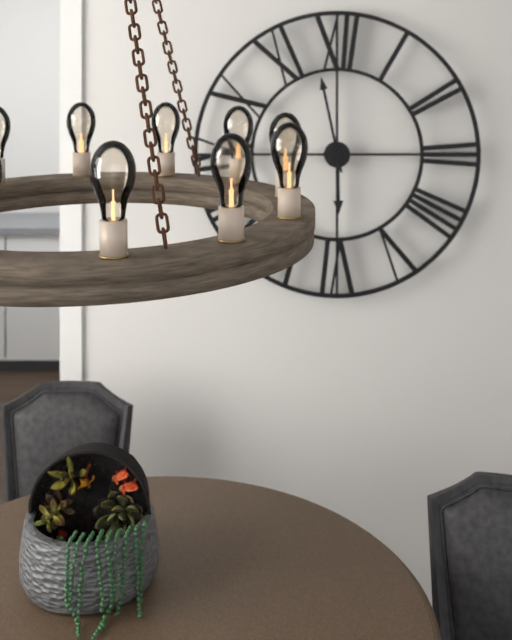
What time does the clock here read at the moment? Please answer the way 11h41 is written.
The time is 5h58
